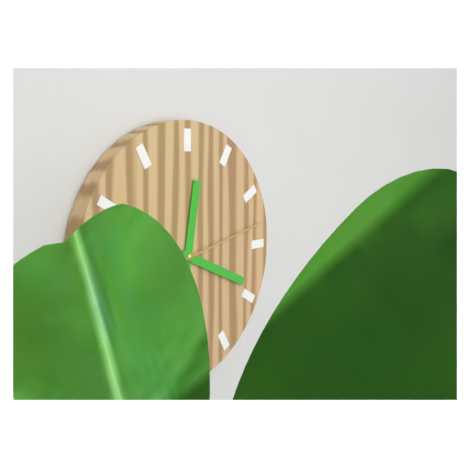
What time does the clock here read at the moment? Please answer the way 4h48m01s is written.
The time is 12h19m13s
